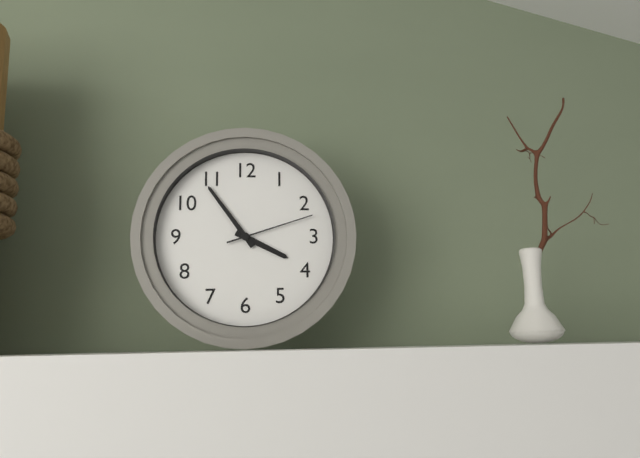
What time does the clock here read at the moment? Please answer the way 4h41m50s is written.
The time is 3h54m12s
